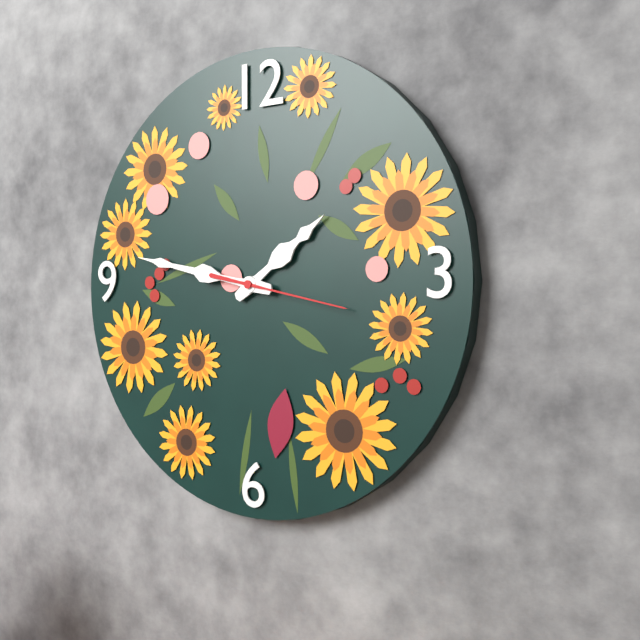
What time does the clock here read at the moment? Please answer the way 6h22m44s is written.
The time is 1h47m17s
